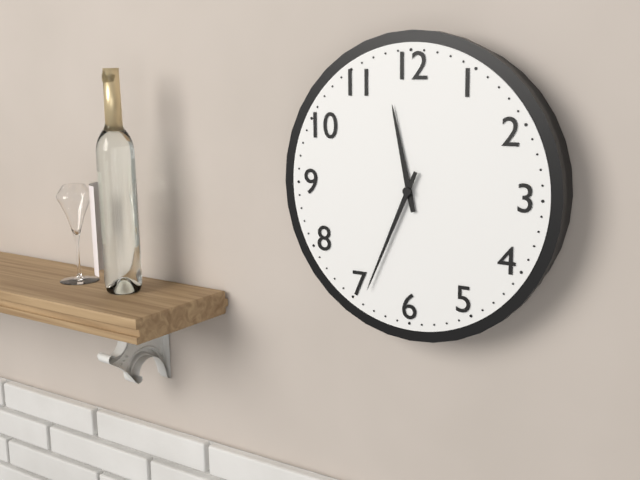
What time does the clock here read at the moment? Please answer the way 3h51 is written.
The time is 11h34
